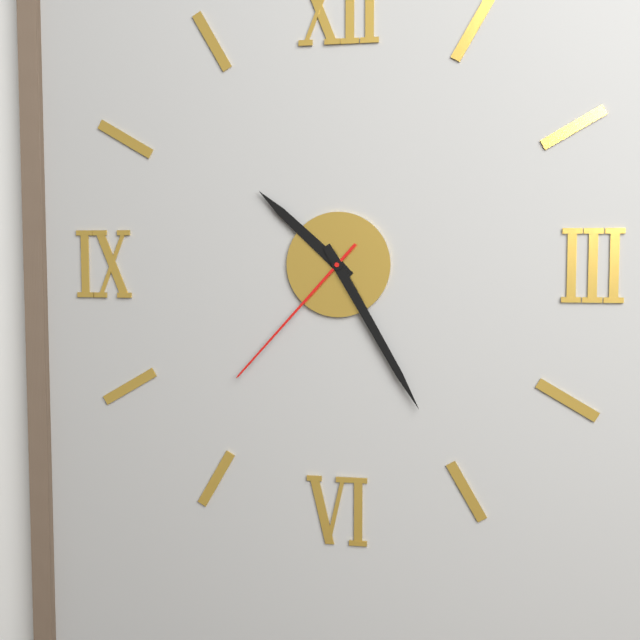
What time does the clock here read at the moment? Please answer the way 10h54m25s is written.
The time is 10h25m37s
